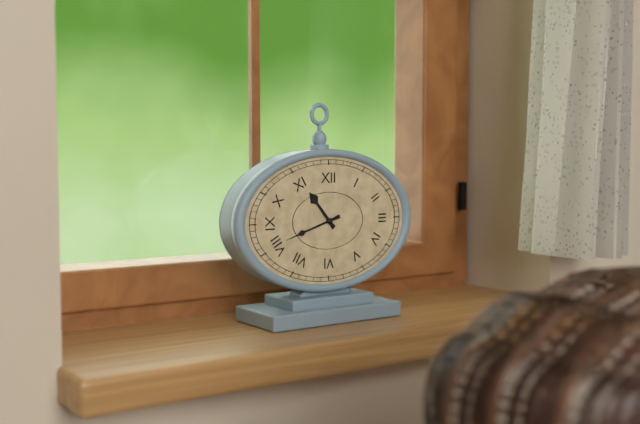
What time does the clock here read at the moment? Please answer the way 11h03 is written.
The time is 10h42
